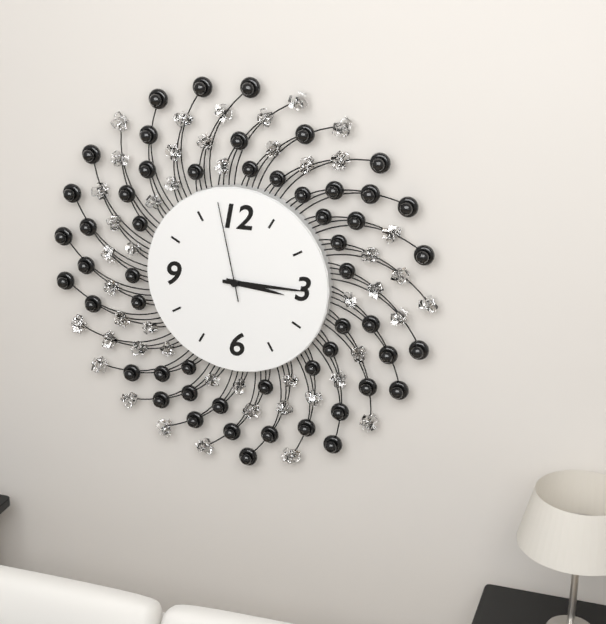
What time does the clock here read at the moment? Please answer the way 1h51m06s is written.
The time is 3h15m58s
